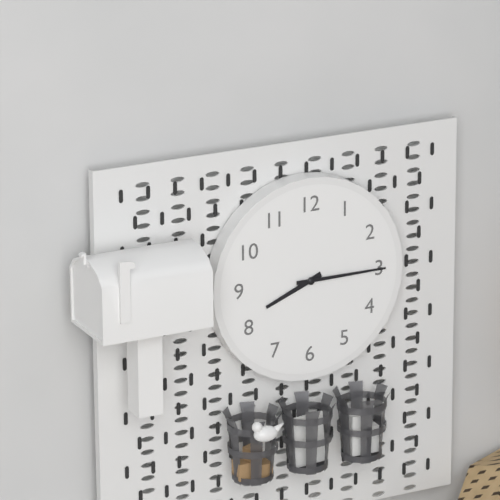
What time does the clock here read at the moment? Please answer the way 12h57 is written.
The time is 8h15
